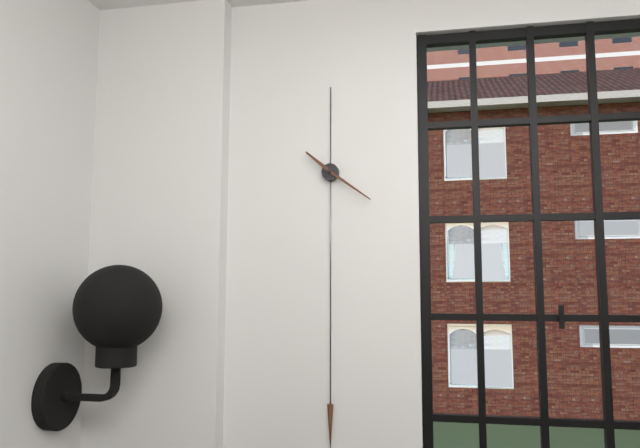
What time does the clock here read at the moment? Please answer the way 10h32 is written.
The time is 10h21
